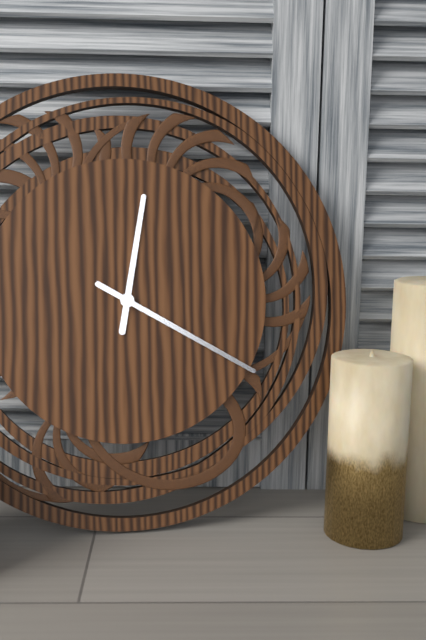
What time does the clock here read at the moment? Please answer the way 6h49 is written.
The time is 12h20
